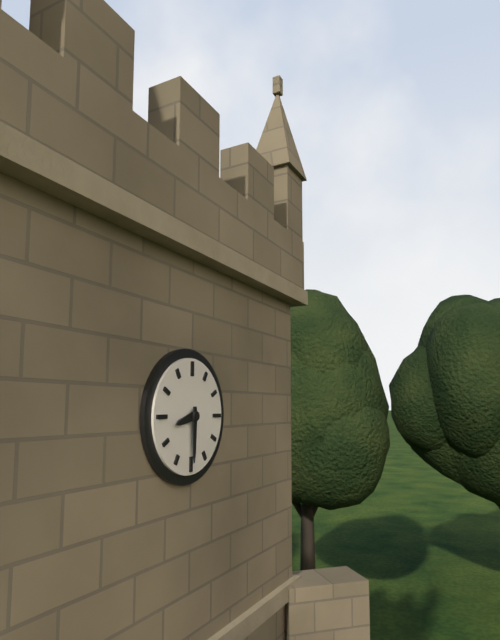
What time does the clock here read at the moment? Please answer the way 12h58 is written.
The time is 8h30
